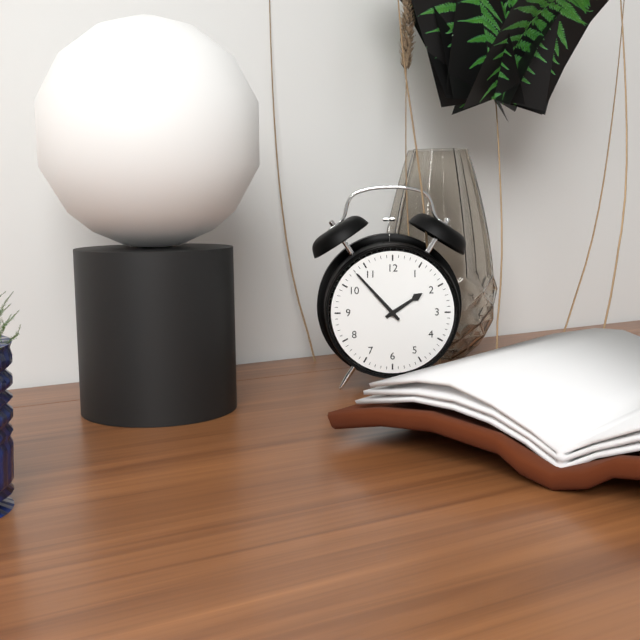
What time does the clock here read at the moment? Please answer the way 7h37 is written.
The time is 1h53
